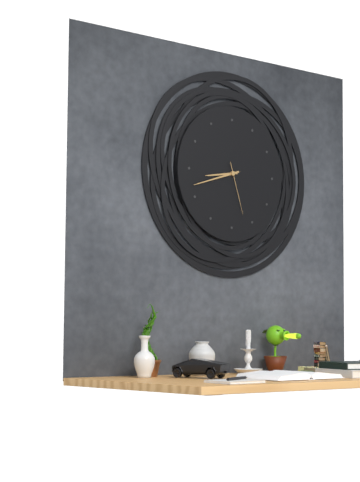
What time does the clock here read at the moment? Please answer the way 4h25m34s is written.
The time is 8h42m27s
